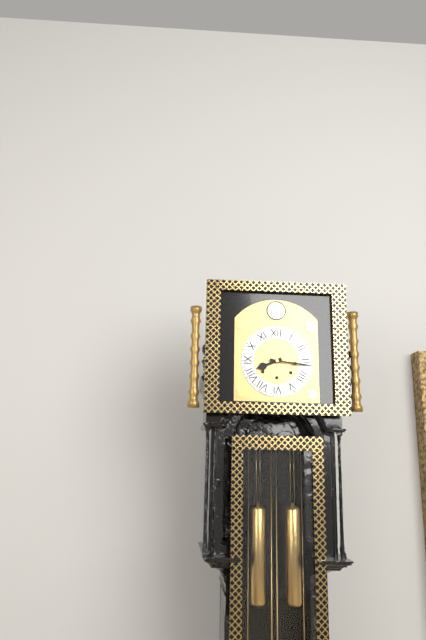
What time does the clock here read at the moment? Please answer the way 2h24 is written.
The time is 8h16
